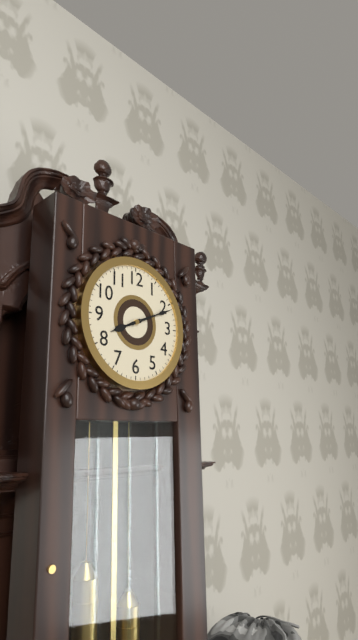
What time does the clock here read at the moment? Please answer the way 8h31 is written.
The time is 8h11
